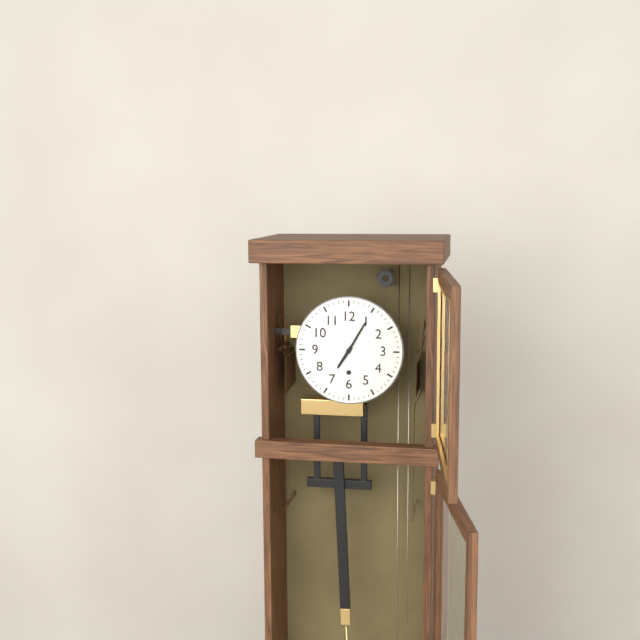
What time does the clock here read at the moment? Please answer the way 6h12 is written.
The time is 7h05
